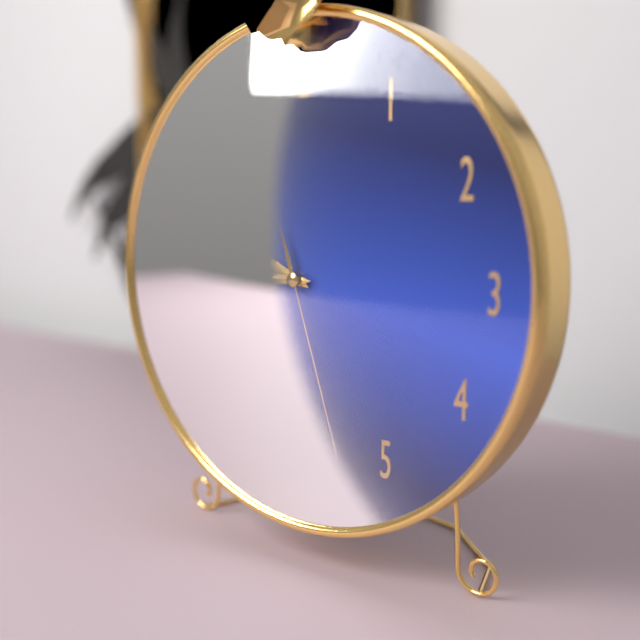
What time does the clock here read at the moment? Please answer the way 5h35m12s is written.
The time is 9h45m27s
